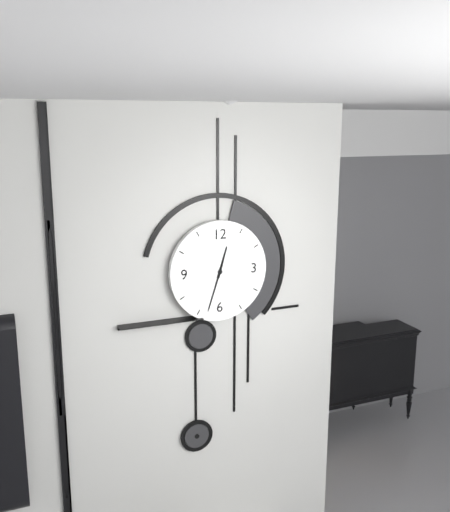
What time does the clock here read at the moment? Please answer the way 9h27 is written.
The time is 12h33
